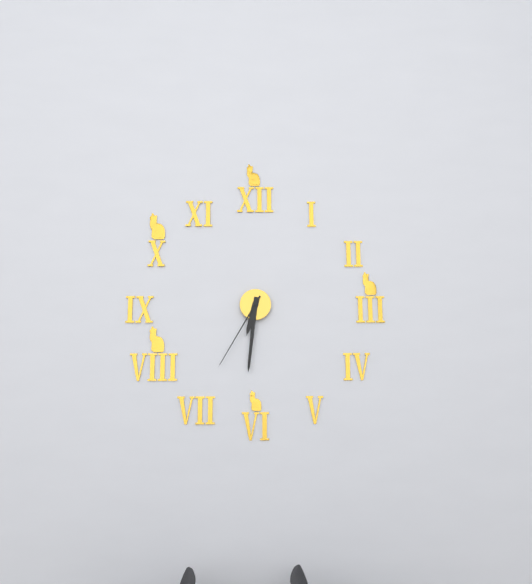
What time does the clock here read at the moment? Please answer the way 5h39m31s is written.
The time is 6h31m35s
